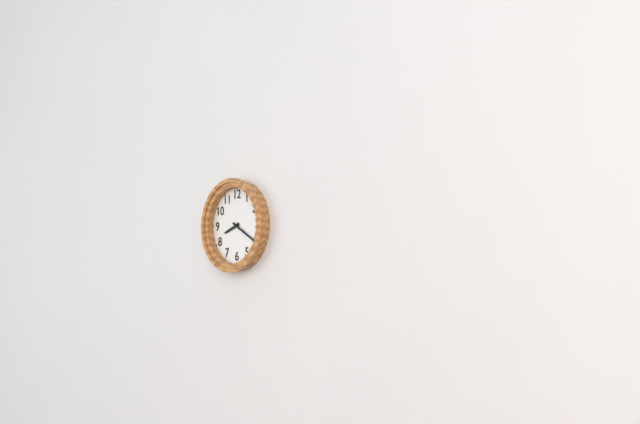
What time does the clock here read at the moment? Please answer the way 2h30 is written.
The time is 8h20
